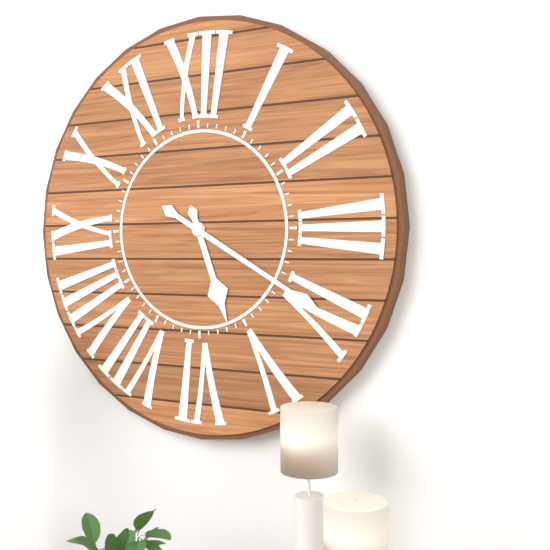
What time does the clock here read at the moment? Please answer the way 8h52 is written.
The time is 5h20
